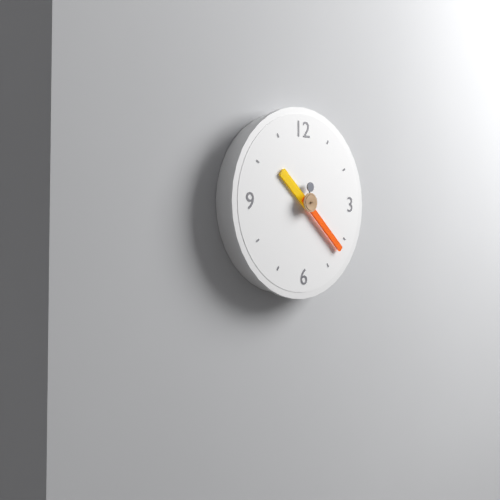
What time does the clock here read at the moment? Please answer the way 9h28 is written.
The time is 10h22
